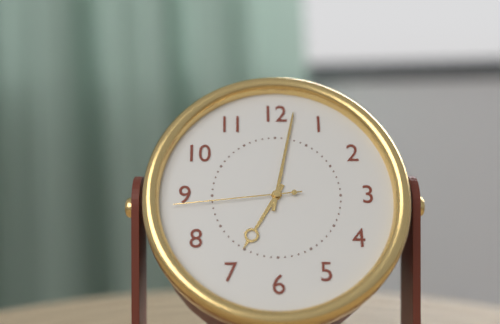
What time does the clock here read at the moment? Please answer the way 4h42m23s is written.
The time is 7h02m44s
